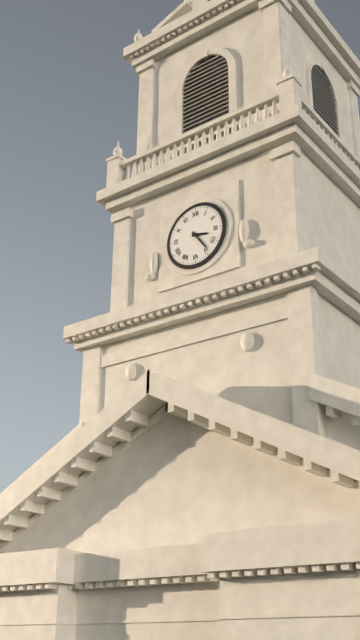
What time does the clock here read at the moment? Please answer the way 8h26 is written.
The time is 3h24
